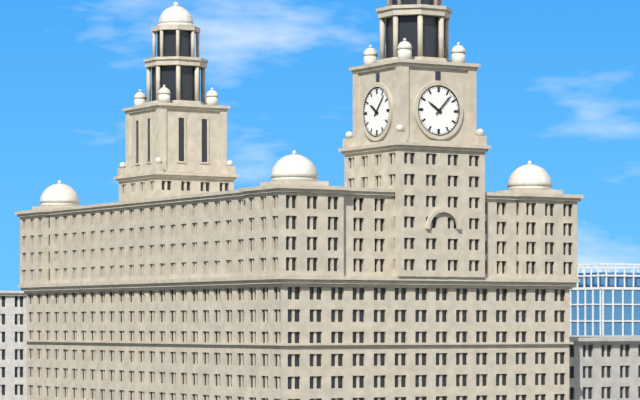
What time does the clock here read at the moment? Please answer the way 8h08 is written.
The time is 10h07
